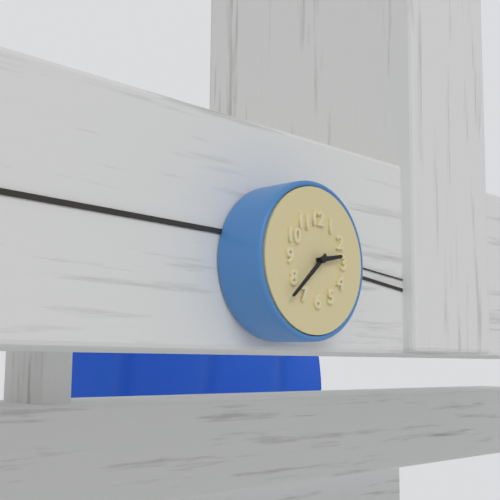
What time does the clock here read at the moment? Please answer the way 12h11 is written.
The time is 2h38
